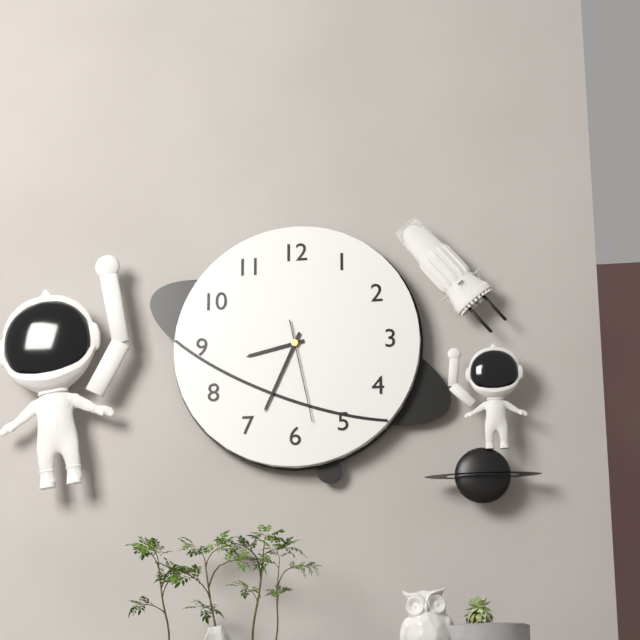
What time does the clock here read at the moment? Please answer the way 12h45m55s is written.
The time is 8h34m28s
